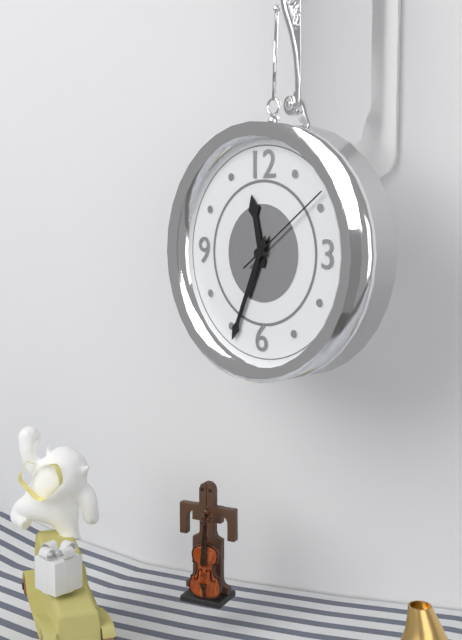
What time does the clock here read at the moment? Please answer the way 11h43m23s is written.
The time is 11h34m09s
